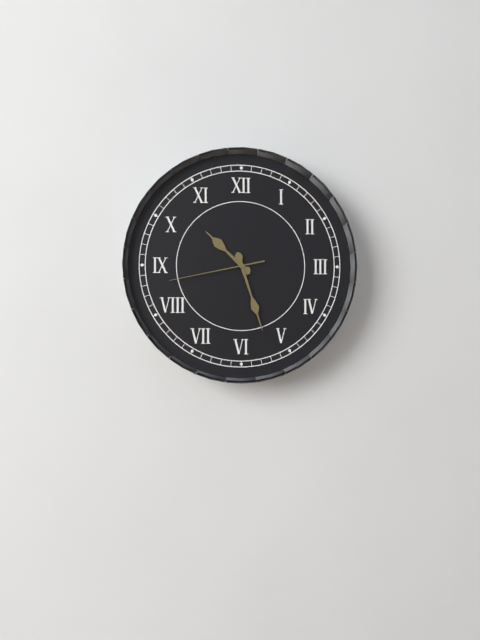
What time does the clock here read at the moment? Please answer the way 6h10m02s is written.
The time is 10h27m43s
